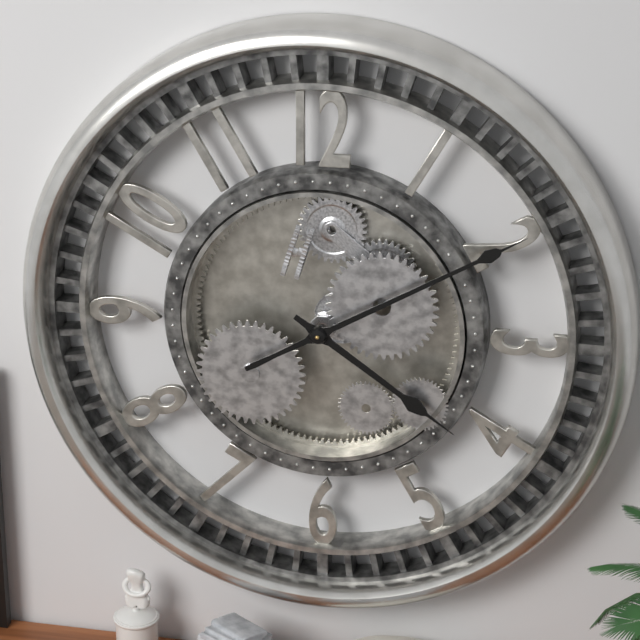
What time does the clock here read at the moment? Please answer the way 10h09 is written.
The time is 4h10
